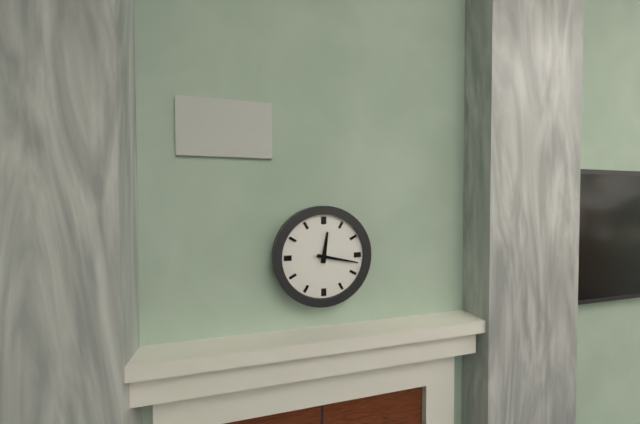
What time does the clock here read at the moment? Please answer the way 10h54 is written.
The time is 12h17
